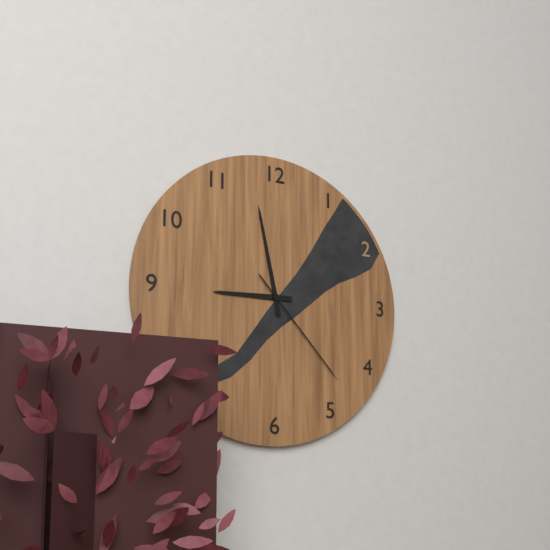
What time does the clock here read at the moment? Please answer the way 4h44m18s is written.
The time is 8h58m23s
